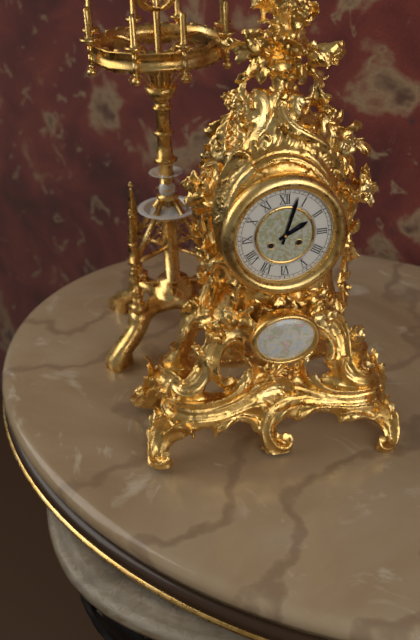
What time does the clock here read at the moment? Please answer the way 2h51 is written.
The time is 2h03
